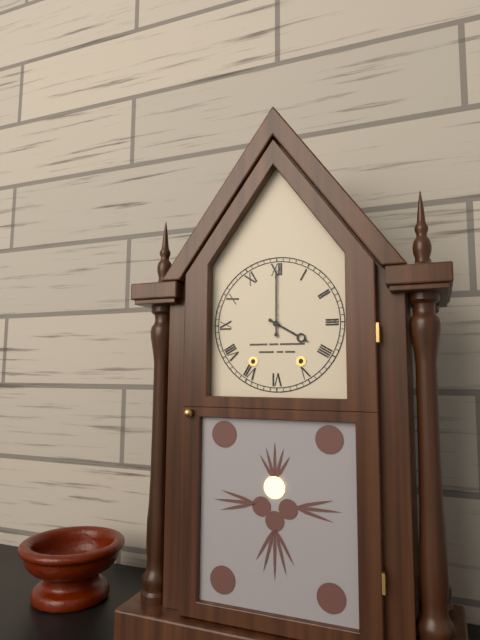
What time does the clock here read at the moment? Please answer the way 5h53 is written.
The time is 4h00
